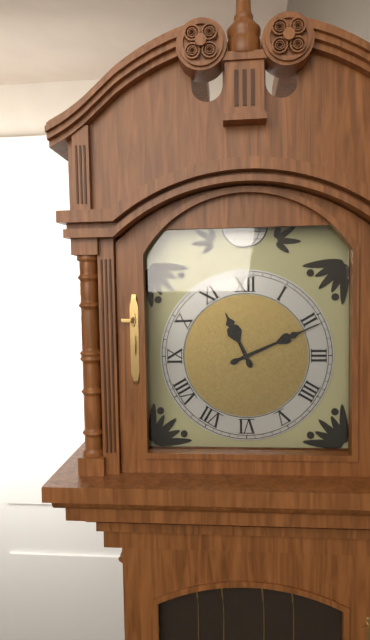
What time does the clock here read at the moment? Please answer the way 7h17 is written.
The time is 11h11
